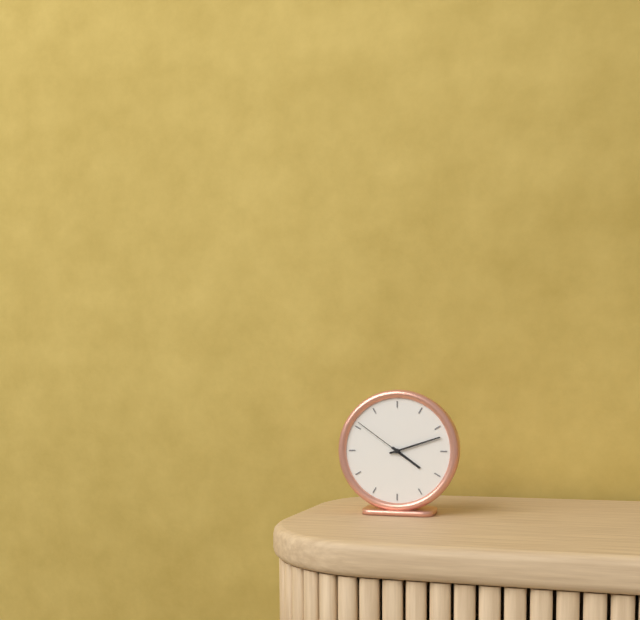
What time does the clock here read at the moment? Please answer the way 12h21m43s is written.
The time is 4h12m51s
